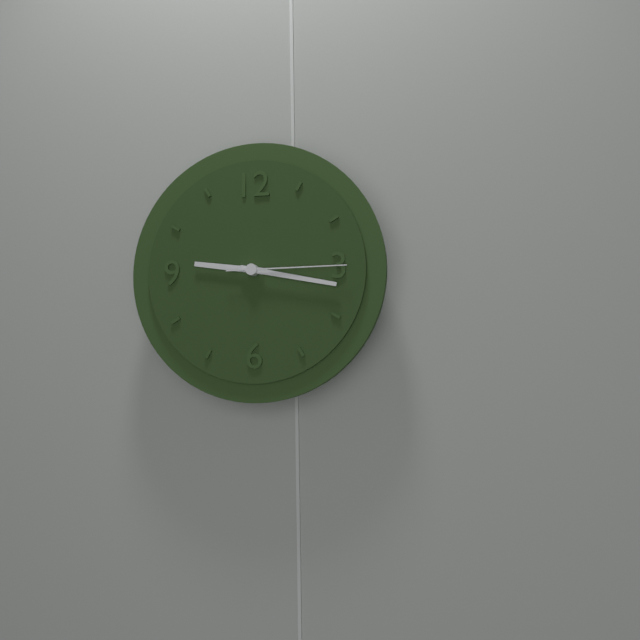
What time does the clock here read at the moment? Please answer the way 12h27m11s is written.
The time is 9h17m15s
